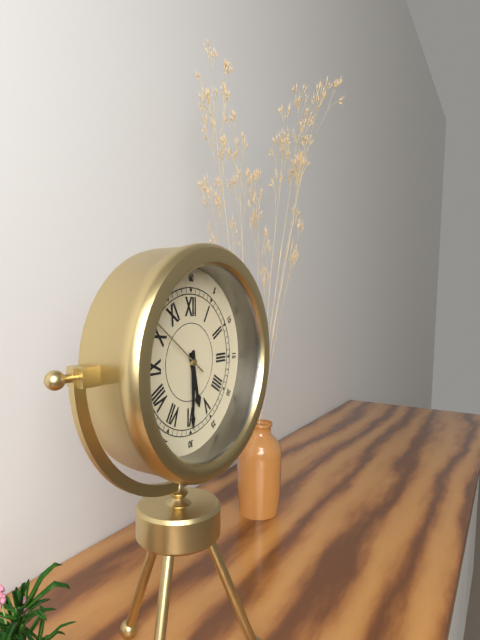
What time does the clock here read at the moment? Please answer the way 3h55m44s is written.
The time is 5h30m51s
